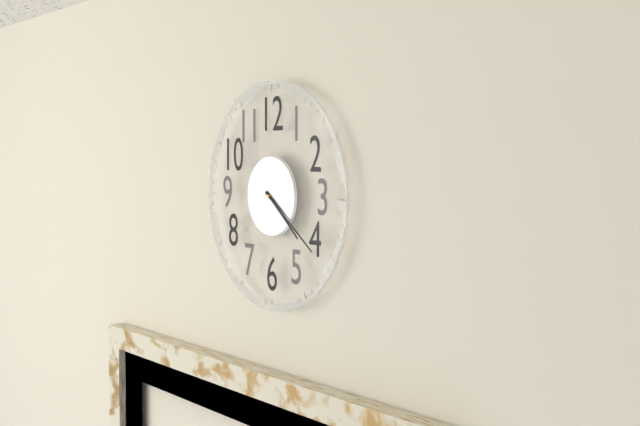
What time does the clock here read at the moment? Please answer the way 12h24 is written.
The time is 4h21
